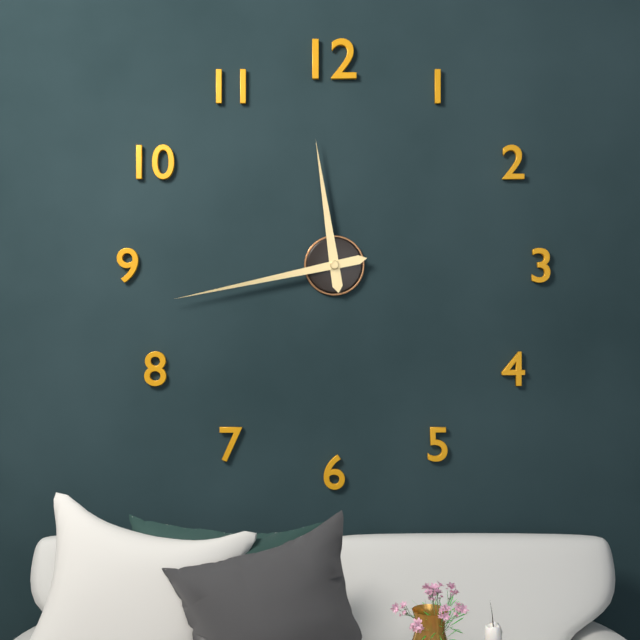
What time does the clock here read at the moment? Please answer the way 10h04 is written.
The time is 11h43
